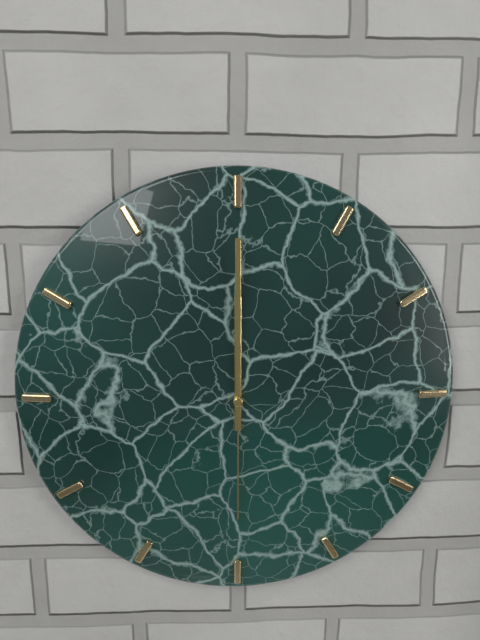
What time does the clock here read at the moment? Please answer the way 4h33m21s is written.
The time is 12h00m30s
